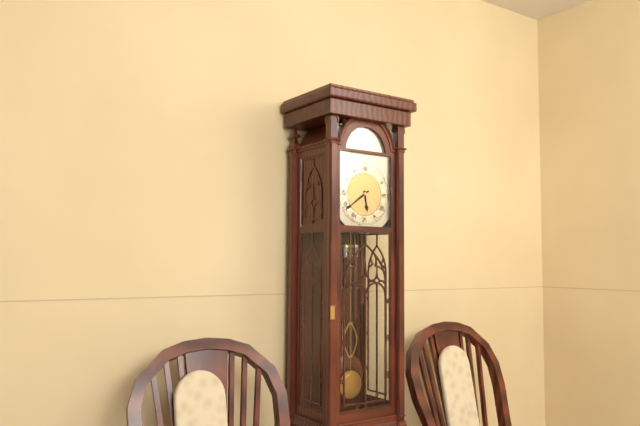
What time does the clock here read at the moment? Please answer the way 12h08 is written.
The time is 5h39
